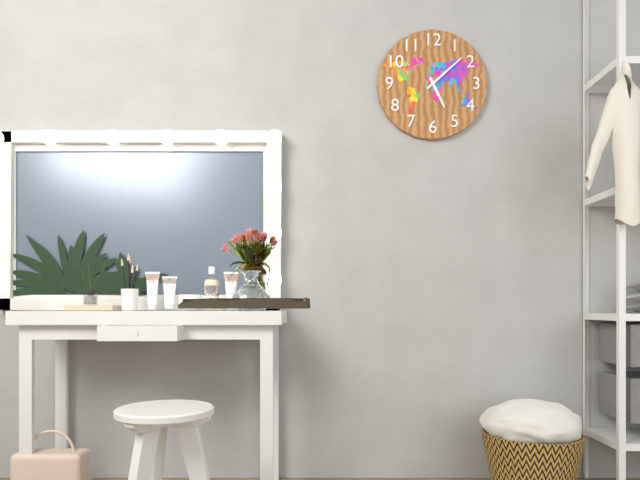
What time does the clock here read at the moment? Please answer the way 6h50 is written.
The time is 5h08
